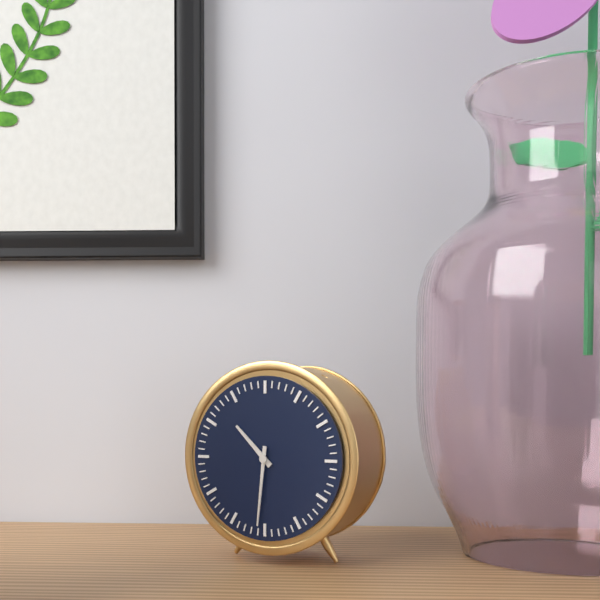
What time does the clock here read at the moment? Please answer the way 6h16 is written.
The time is 10h31
